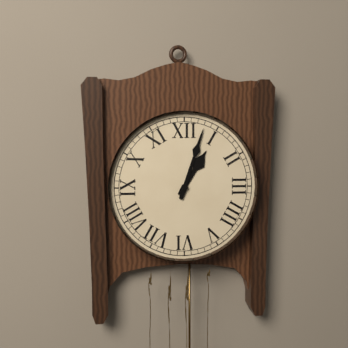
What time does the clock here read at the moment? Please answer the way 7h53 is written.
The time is 1h03
